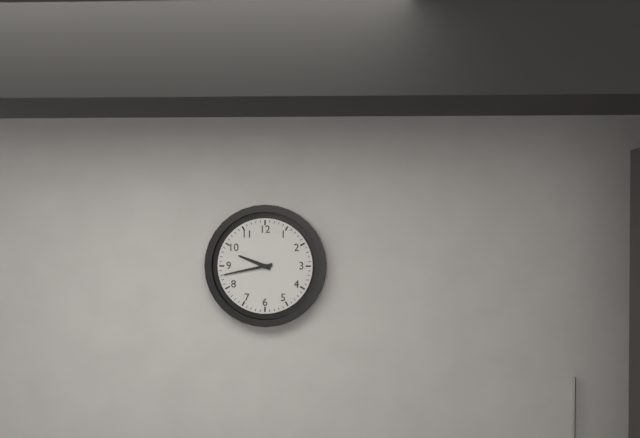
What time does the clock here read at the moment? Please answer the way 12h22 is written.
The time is 9h43
